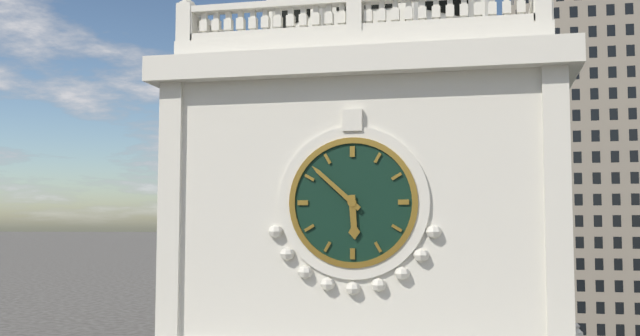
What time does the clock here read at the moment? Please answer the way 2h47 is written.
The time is 5h52
